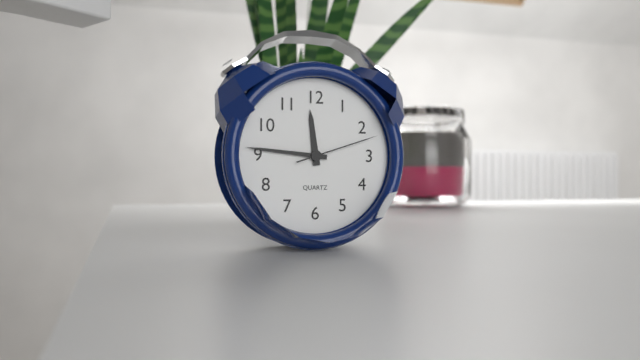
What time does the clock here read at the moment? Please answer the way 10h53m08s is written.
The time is 11h46m12s
